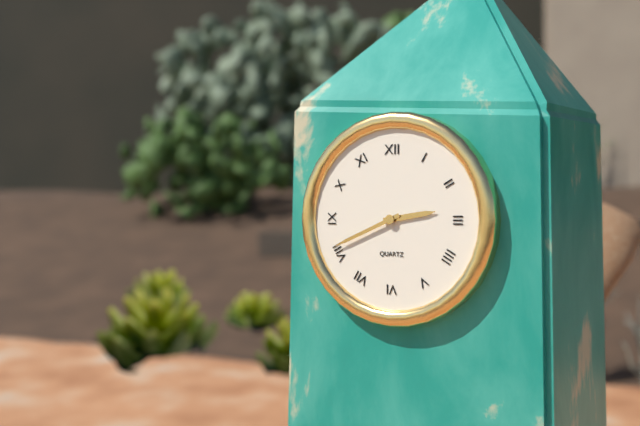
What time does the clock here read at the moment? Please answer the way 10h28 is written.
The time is 2h41
